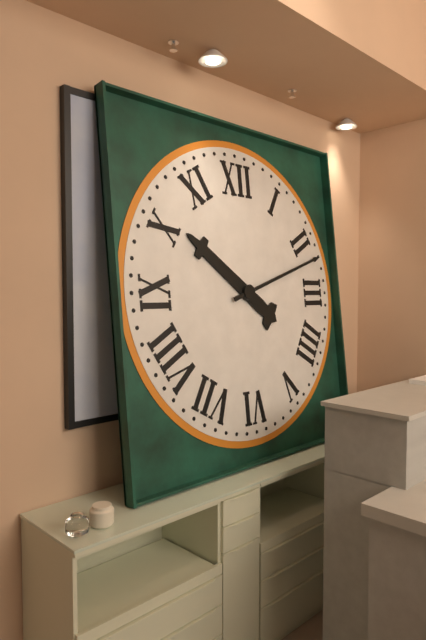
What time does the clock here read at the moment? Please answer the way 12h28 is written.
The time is 10h12
